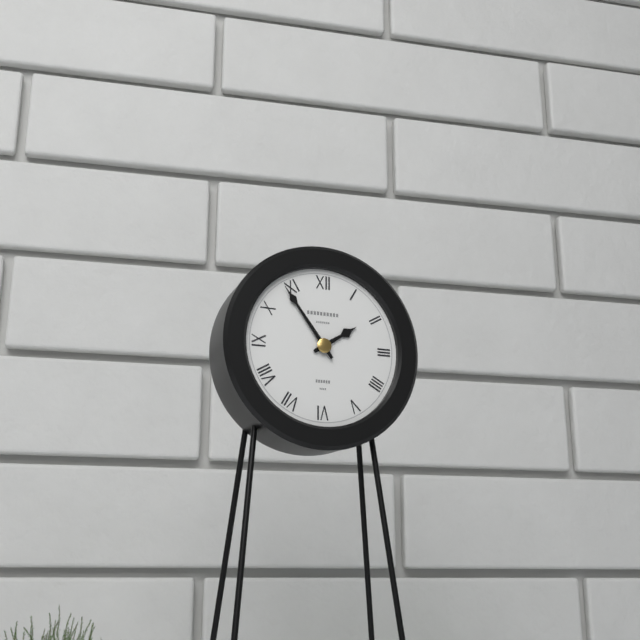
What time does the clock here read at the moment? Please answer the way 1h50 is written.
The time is 1h54
